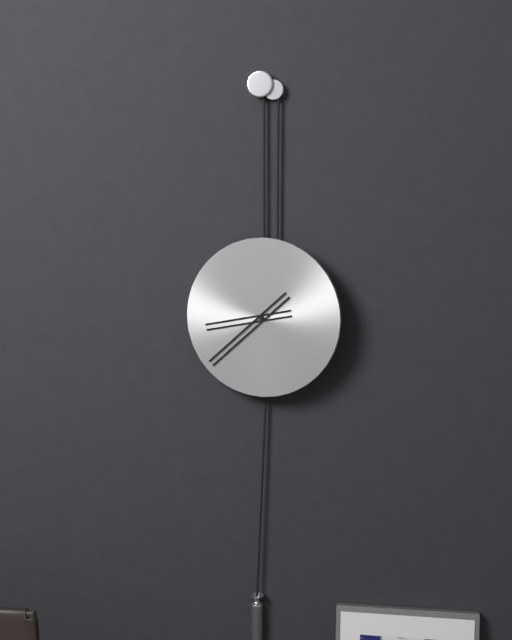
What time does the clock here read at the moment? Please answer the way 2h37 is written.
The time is 8h38
